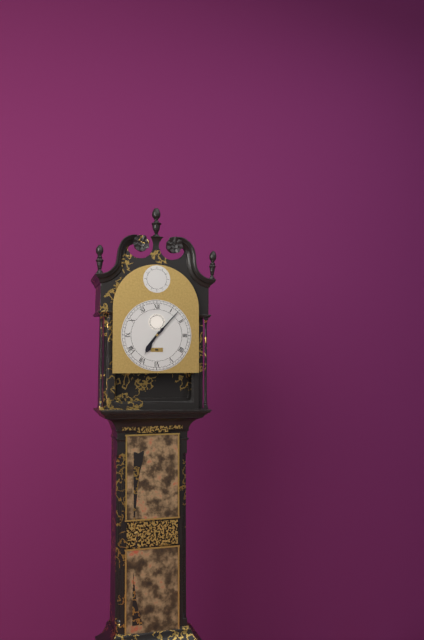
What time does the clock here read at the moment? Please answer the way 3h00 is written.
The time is 7h07
